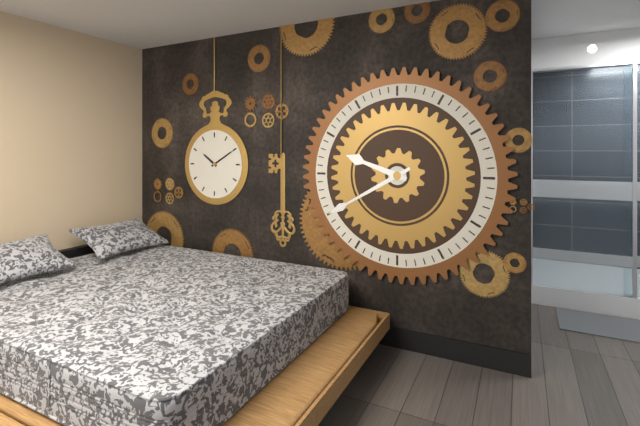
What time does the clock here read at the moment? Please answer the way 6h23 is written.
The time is 9h40
